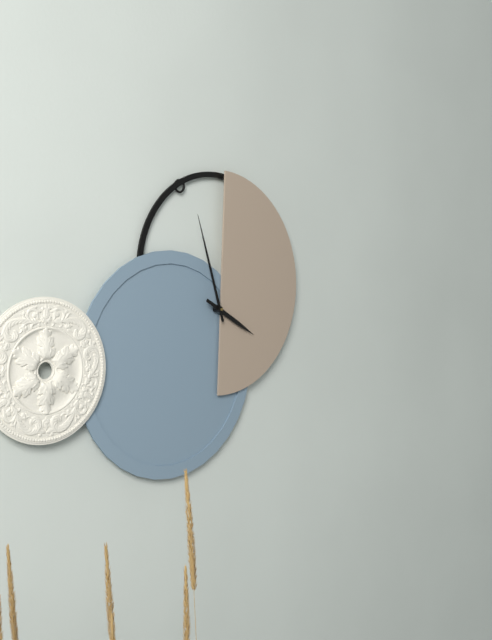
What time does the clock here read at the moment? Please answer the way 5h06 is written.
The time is 3h57
